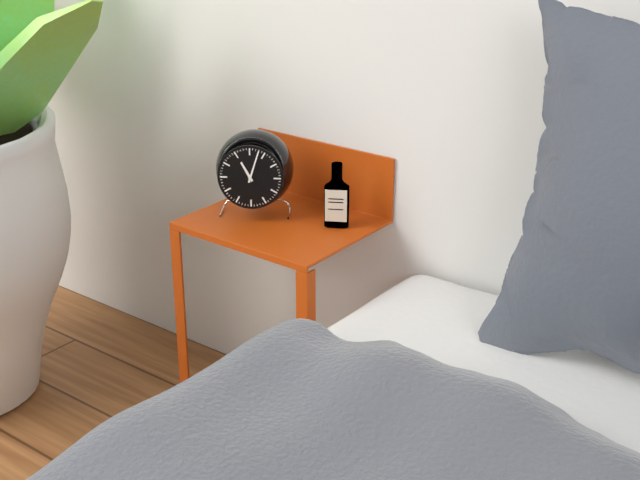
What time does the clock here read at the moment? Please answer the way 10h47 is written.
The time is 11h03
